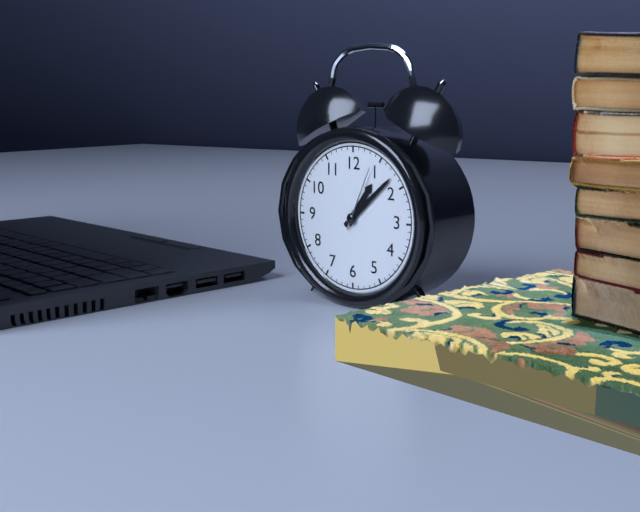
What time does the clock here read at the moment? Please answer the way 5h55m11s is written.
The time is 1h08m04s
